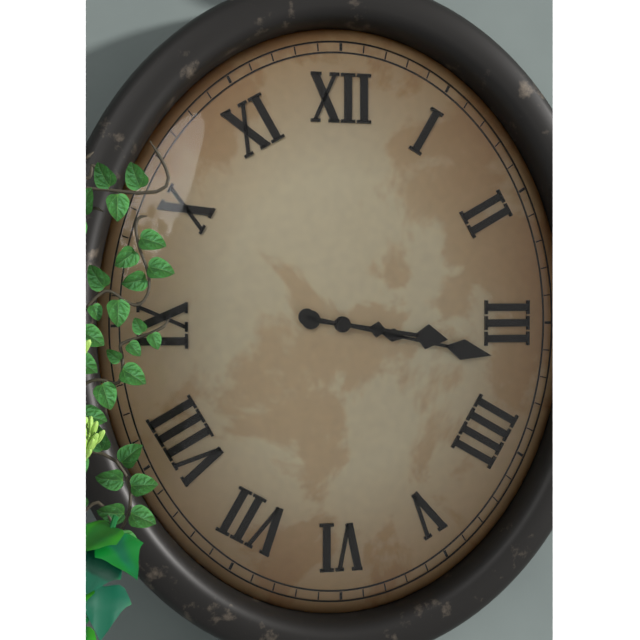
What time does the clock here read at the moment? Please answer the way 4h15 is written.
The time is 3h17
